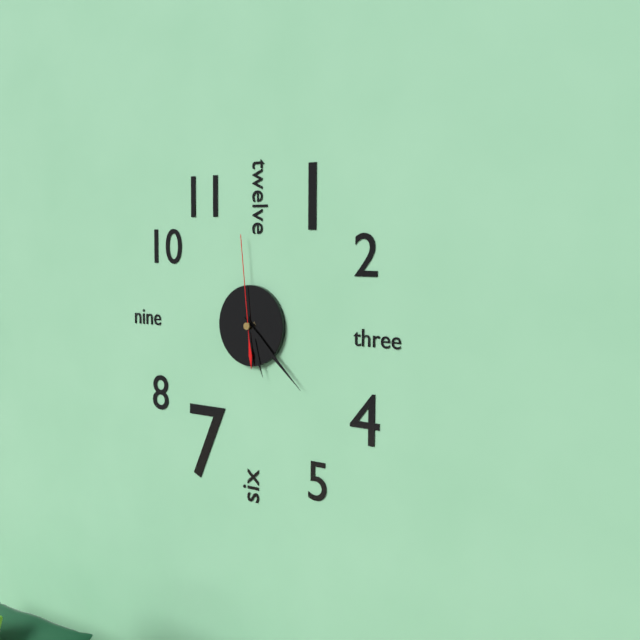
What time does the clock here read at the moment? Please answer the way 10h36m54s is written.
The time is 5h22m59s
